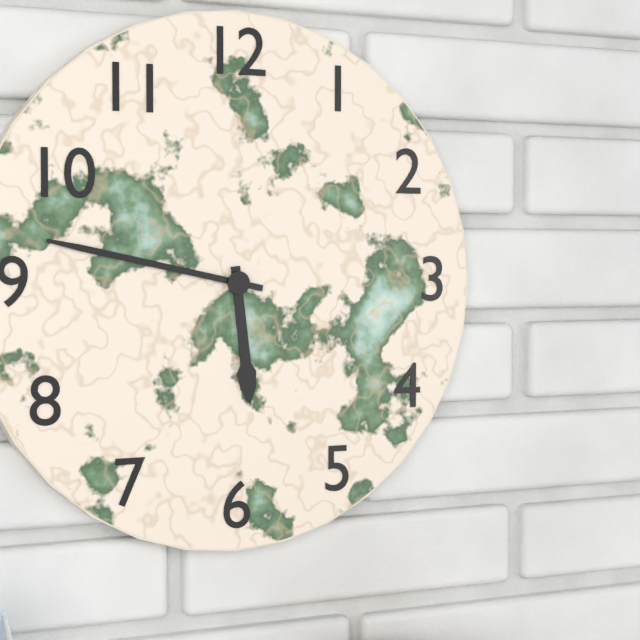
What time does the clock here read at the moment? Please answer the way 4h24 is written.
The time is 5h47
